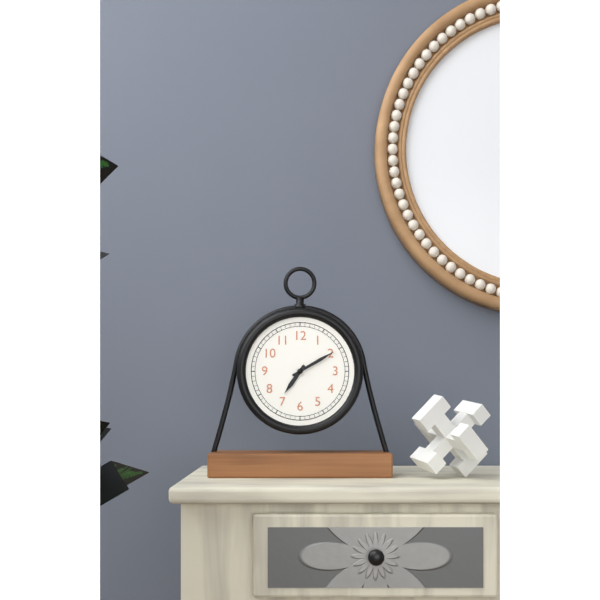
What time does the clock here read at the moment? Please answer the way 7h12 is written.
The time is 7h10
